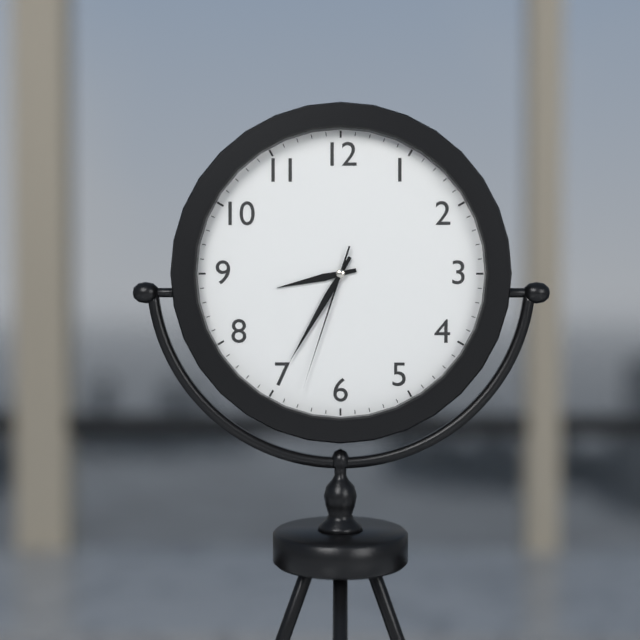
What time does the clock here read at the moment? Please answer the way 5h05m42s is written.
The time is 8h35m33s
